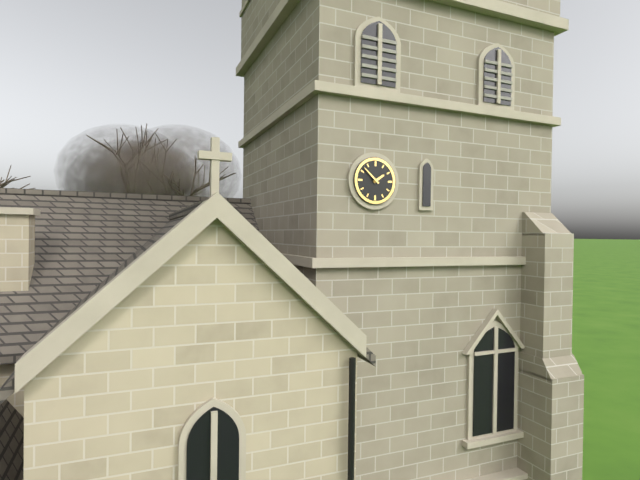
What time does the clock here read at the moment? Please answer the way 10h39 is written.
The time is 1h52
